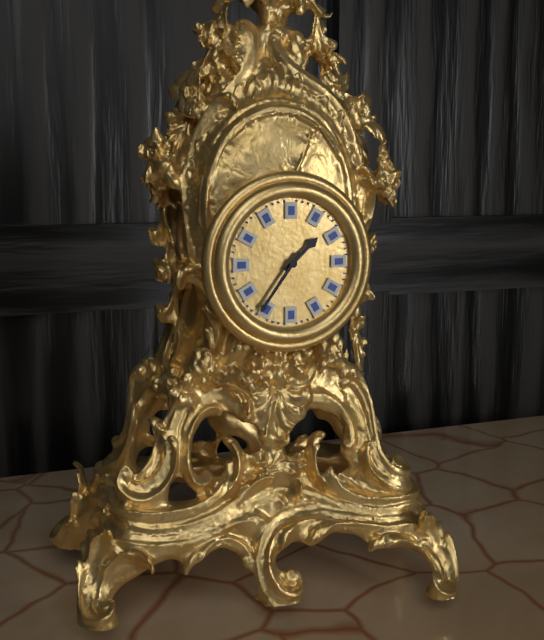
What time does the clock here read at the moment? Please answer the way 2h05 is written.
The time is 1h36
